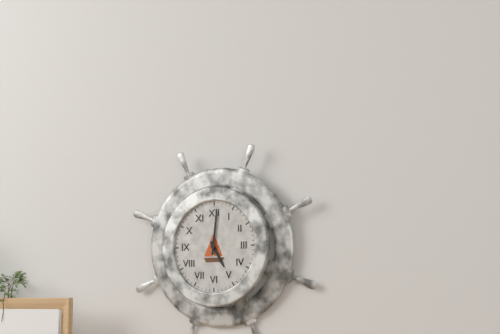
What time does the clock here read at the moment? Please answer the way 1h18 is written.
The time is 5h01
